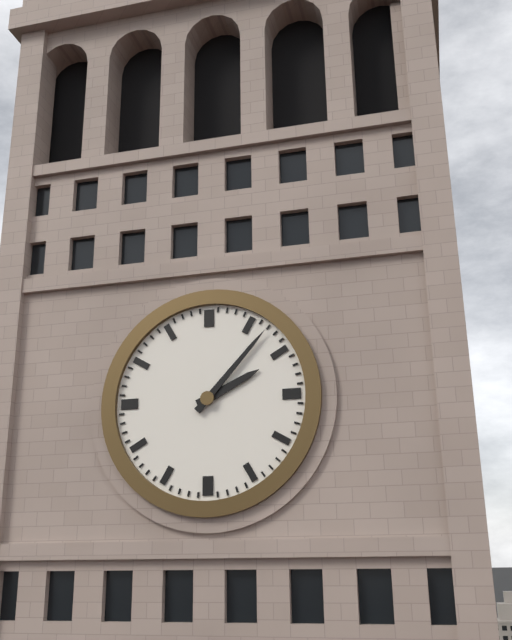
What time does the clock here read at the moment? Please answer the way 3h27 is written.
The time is 2h07
